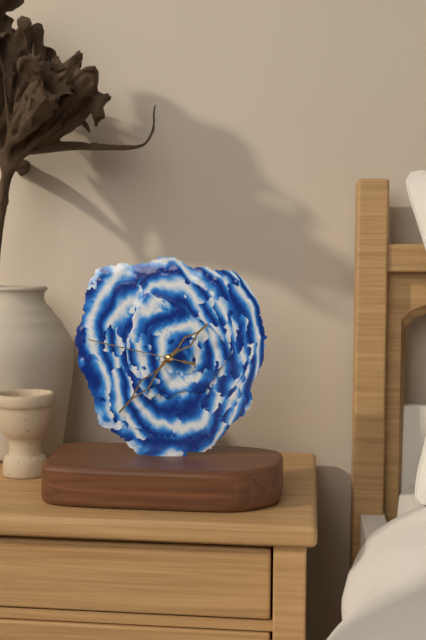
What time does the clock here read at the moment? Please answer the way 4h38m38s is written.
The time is 1h37m47s
